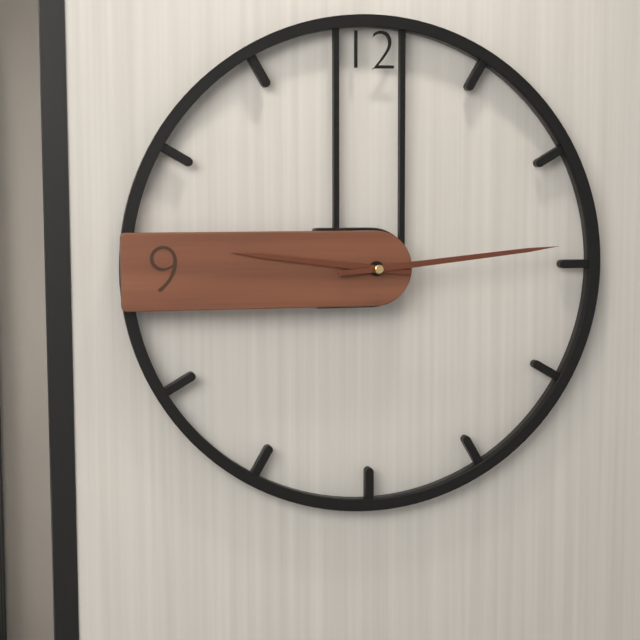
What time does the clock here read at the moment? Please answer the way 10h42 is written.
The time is 9h14
